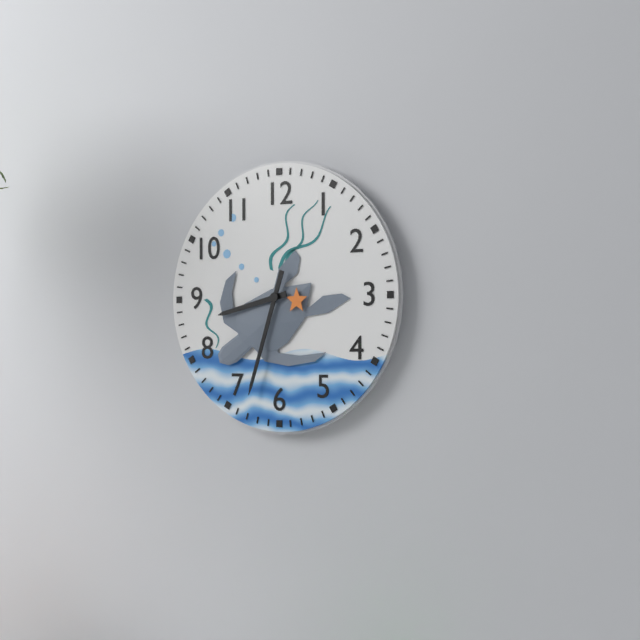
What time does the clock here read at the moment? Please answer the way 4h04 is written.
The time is 8h33
